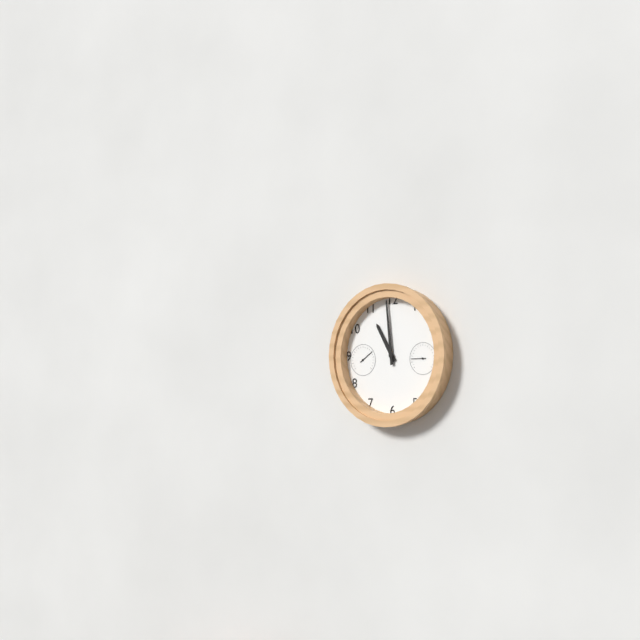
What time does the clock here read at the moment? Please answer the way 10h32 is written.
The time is 10h59
